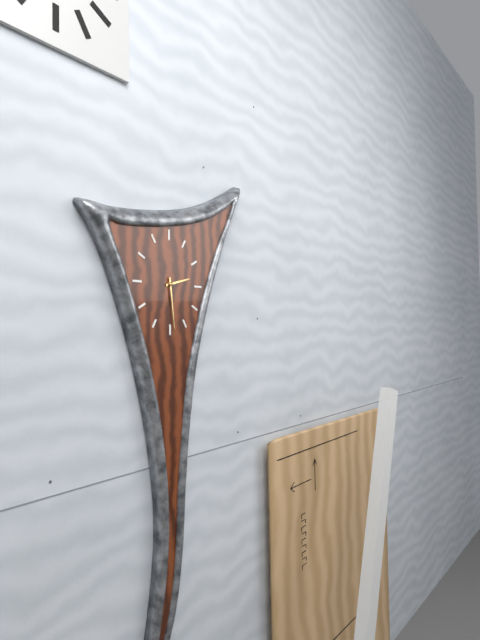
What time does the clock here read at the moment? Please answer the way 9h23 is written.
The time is 2h29
